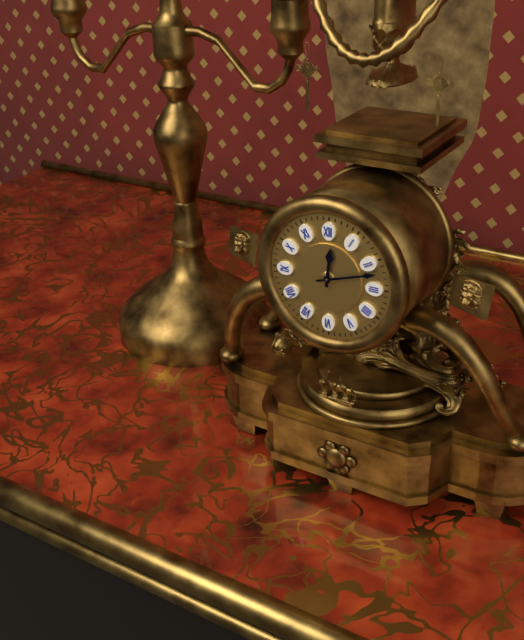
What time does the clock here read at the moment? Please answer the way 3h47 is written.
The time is 12h12
